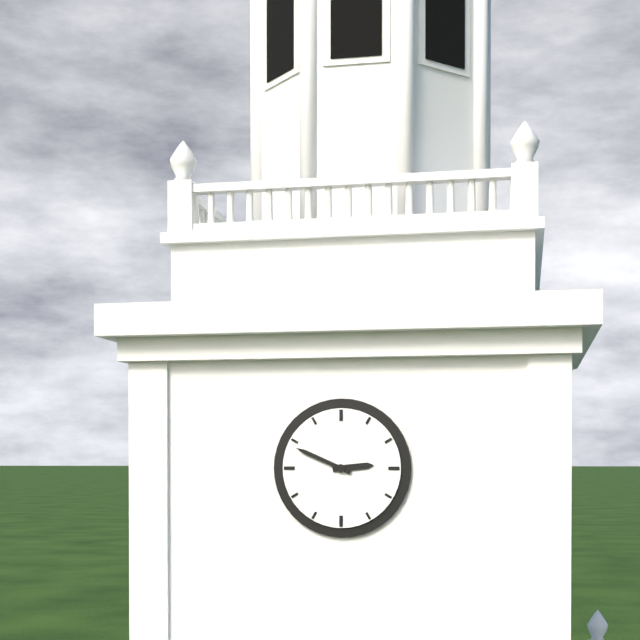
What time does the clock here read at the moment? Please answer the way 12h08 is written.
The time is 2h49
